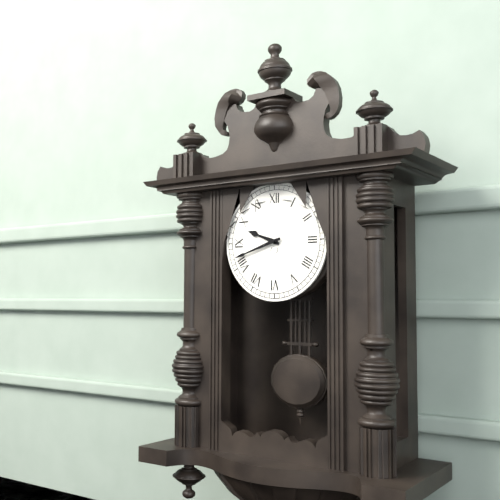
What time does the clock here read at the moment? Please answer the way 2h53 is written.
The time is 9h42
